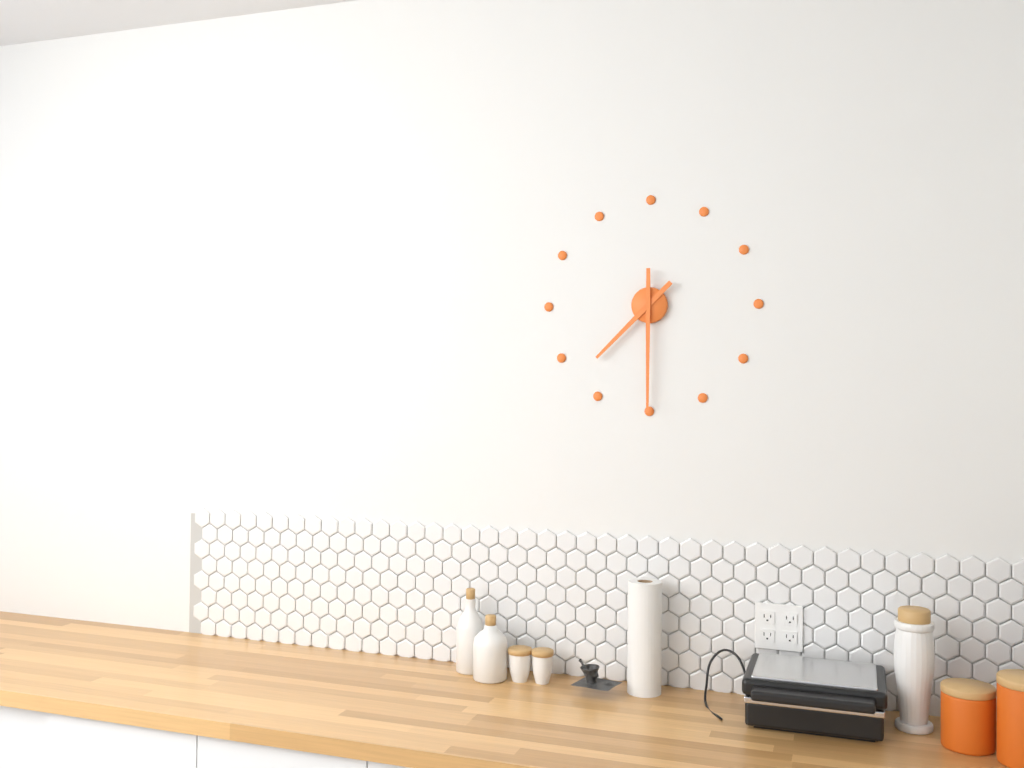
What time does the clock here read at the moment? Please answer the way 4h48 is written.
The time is 7h30
